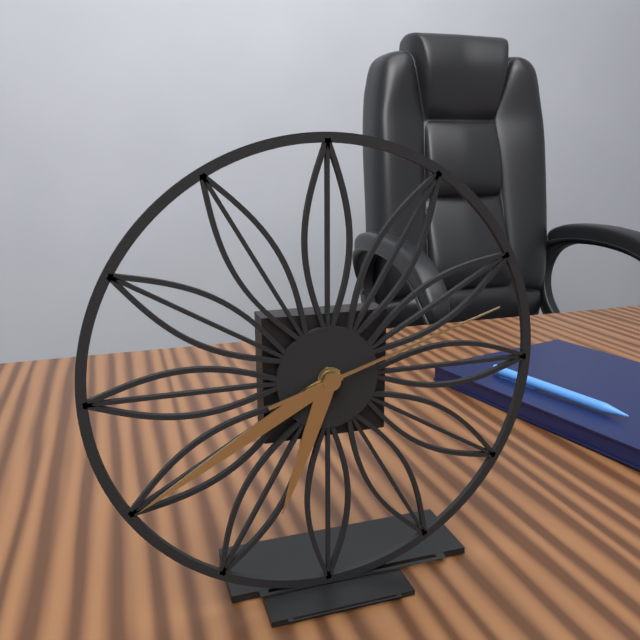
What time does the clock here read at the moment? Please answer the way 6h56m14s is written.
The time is 6h40m12s
